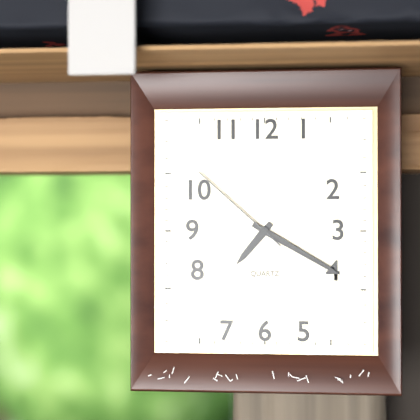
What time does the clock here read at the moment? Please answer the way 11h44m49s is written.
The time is 7h20m52s
